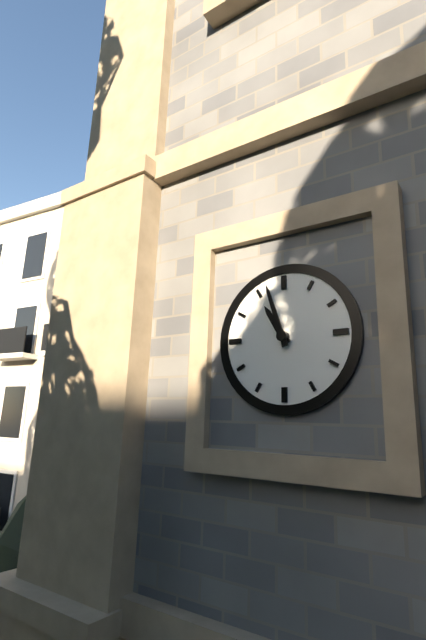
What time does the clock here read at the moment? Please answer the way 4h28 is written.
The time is 10h57
